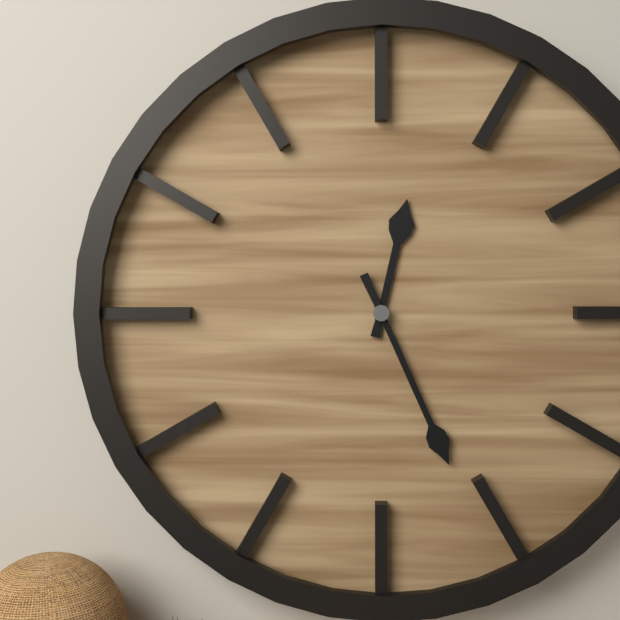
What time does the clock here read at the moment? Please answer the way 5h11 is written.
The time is 12h26
